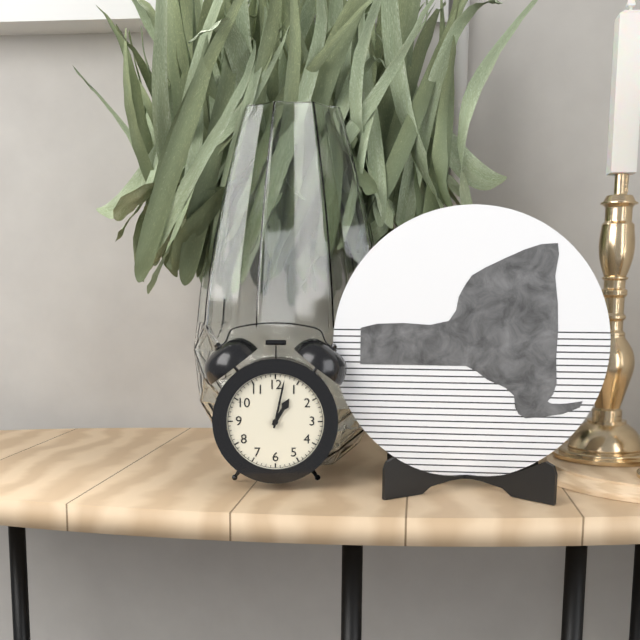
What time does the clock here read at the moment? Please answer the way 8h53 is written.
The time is 1h02
